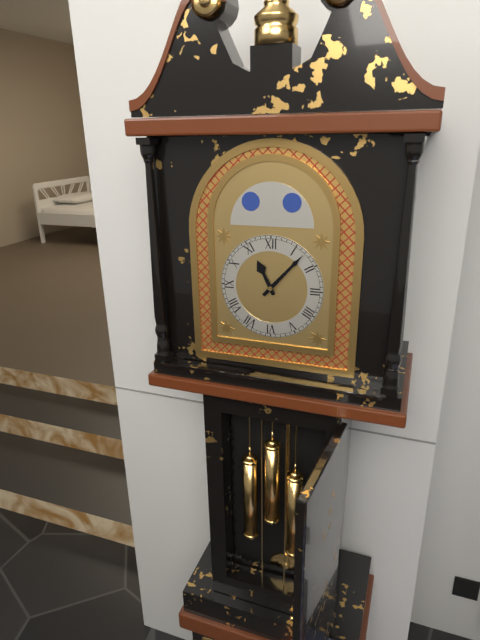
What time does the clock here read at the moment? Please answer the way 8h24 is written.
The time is 11h07
